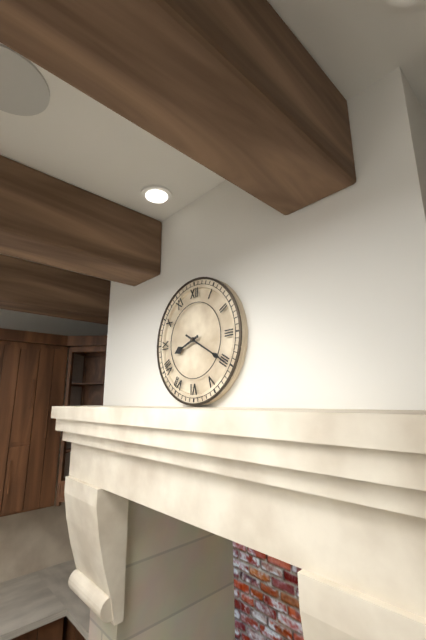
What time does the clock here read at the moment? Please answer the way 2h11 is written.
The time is 8h20
